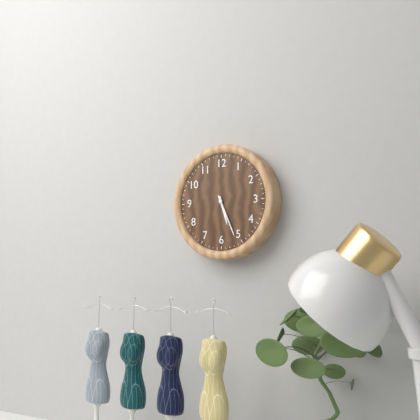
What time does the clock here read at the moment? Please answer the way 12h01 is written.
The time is 5h26
